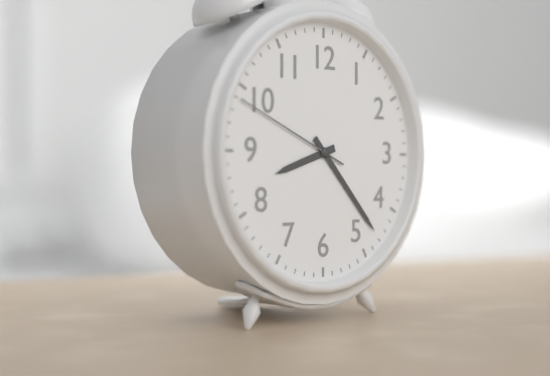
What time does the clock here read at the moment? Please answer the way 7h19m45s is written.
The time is 8h23m49s
